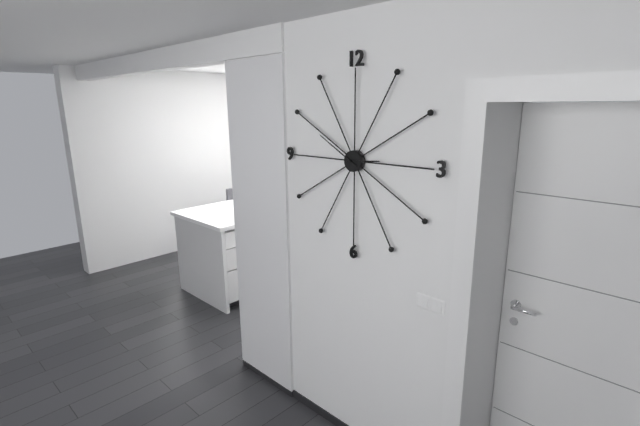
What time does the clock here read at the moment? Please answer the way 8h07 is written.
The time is 2h50
